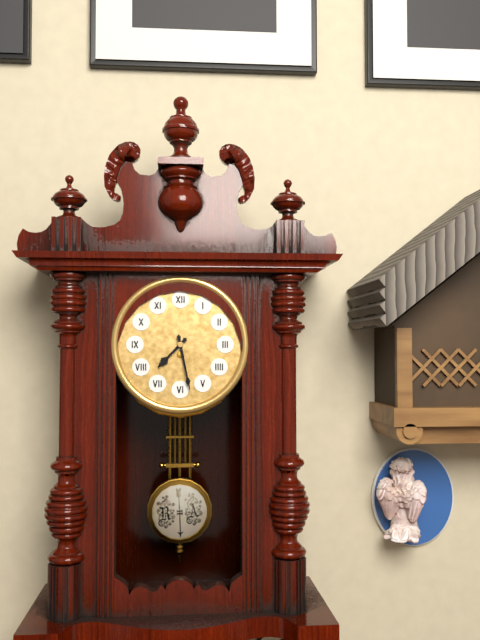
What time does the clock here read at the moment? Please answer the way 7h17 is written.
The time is 7h28
